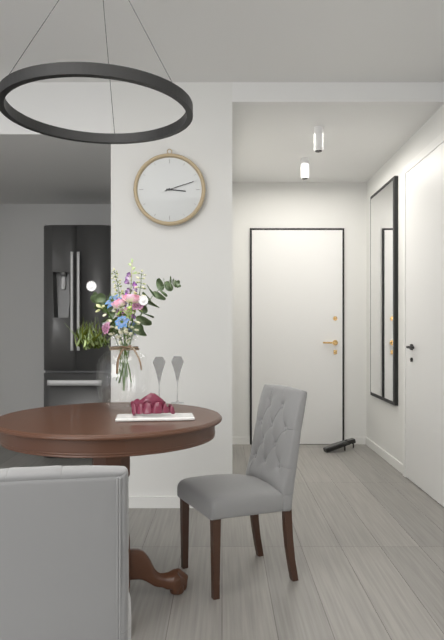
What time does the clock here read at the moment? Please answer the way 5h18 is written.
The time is 3h12
